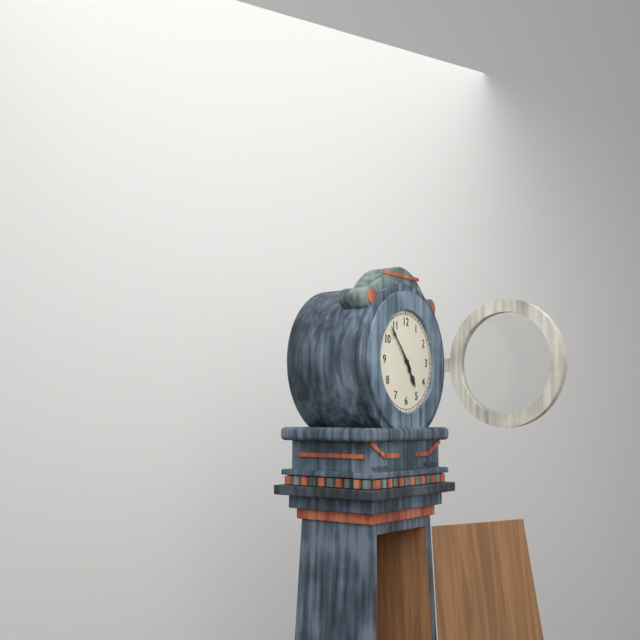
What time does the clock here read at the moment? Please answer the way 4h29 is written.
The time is 4h53
